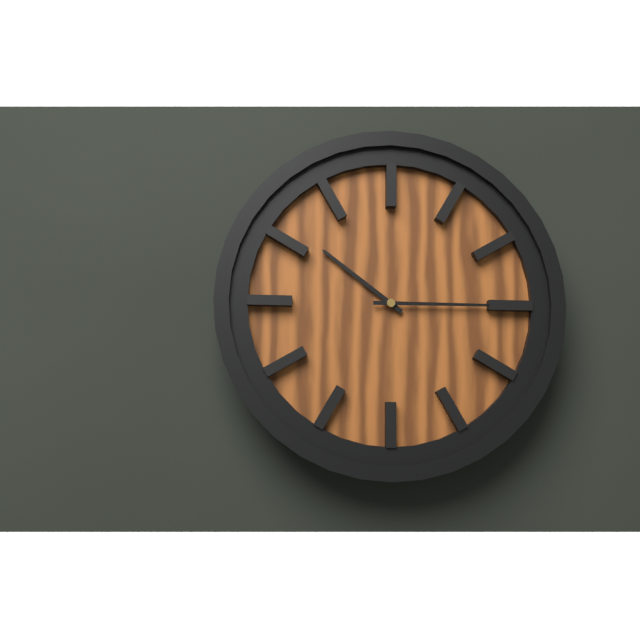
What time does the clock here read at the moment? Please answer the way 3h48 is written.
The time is 10h15
